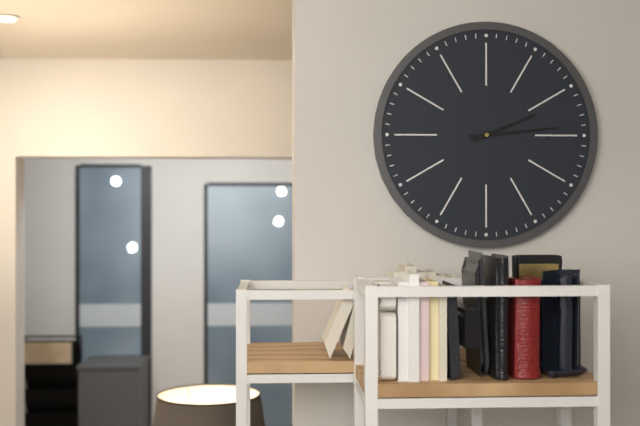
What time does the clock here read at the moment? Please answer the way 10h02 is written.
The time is 2h14
